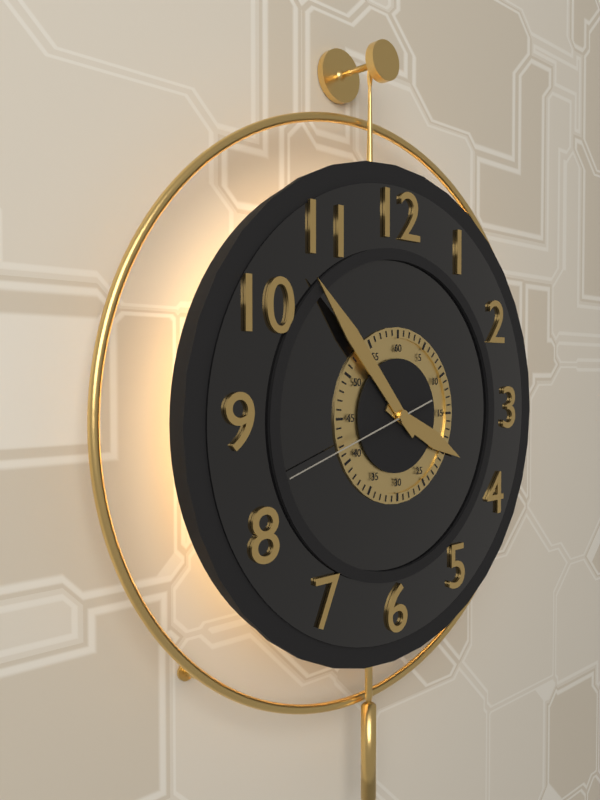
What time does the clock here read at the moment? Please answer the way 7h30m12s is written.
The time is 3h53m42s
